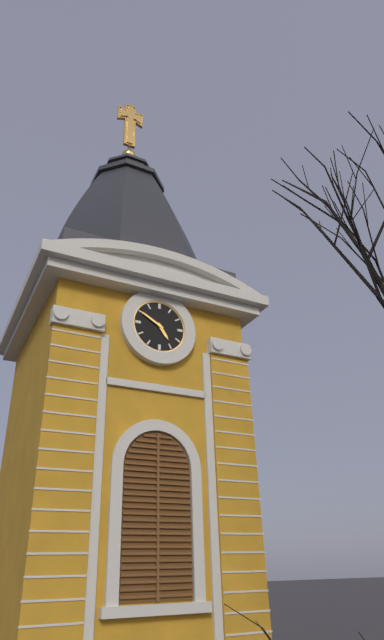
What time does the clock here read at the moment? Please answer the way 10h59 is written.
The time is 4h50
